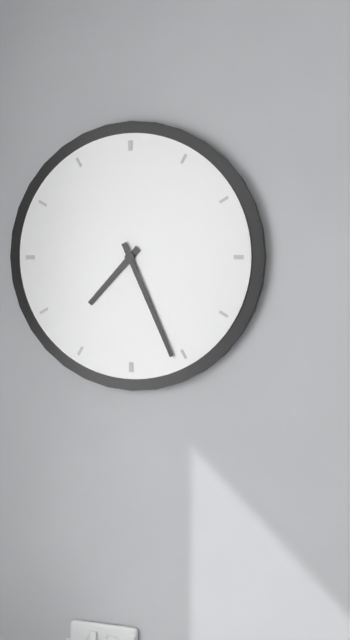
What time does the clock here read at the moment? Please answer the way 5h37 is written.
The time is 7h26
